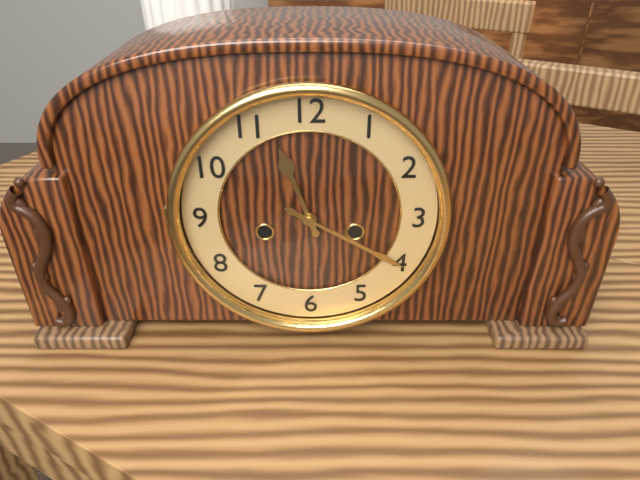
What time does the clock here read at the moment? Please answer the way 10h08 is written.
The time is 11h20
